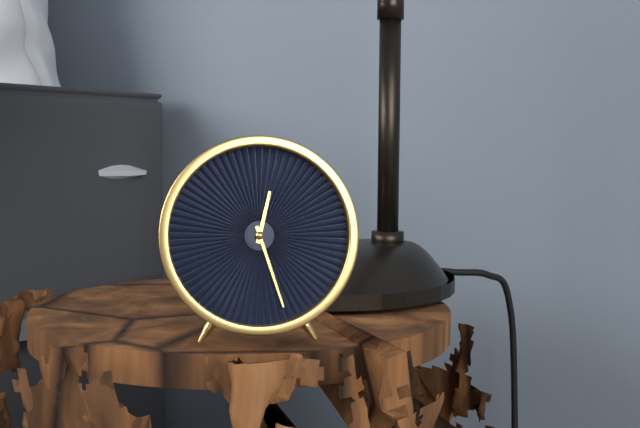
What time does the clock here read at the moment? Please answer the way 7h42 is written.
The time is 12h27
